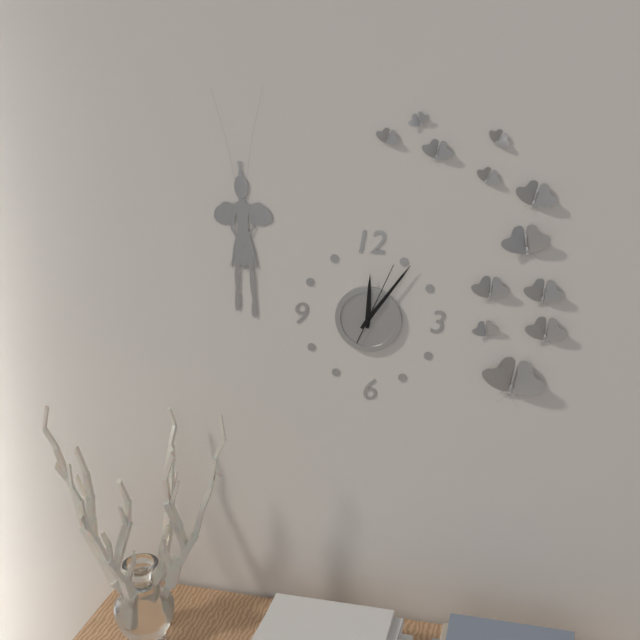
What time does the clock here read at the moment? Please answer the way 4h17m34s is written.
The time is 12h06m04s
